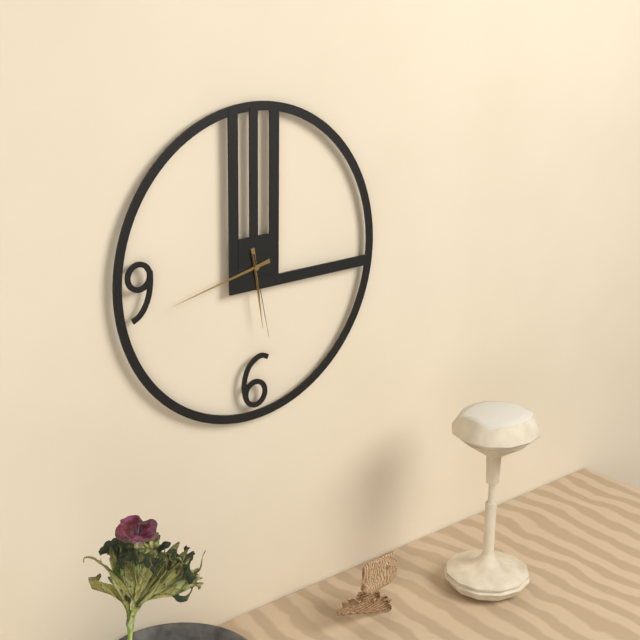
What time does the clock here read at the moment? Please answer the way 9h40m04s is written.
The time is 5h43m28s
